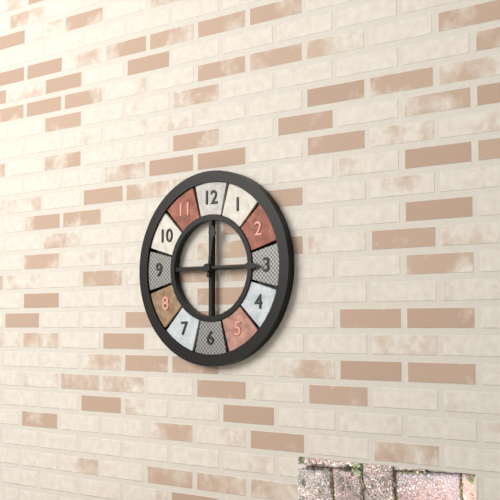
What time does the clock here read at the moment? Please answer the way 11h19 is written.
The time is 12h15
